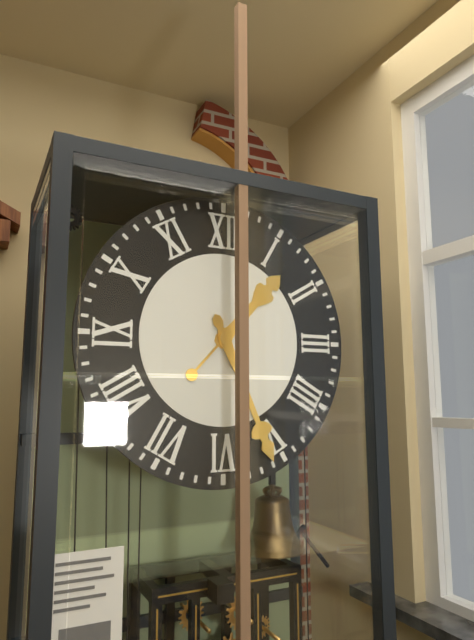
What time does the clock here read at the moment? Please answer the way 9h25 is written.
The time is 1h26
